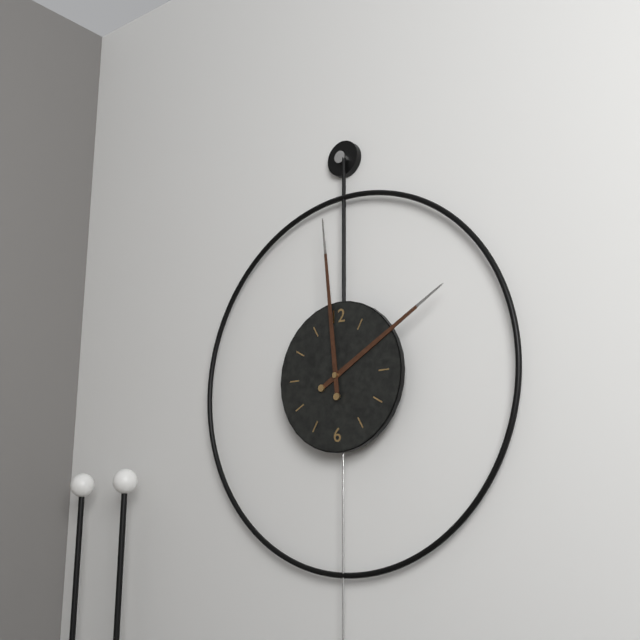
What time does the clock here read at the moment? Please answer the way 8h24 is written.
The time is 1h59
